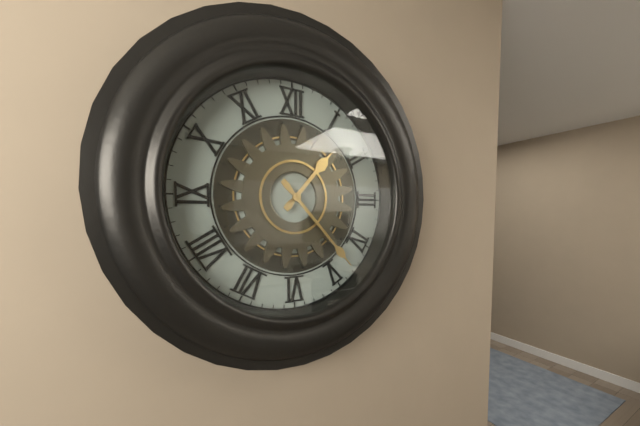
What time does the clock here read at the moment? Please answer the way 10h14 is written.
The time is 1h23
